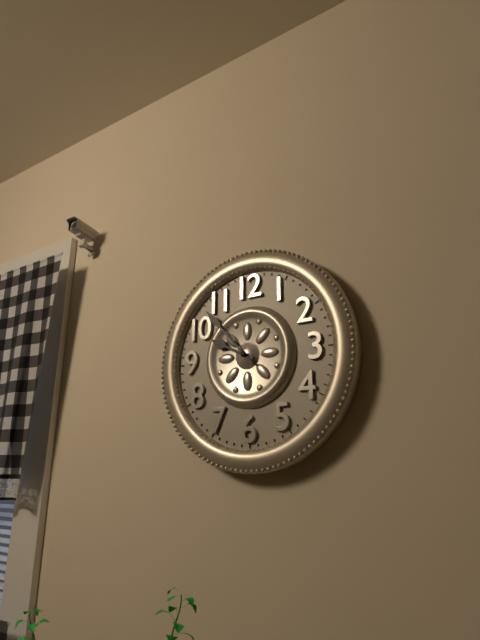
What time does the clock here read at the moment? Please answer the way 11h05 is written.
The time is 9h53
